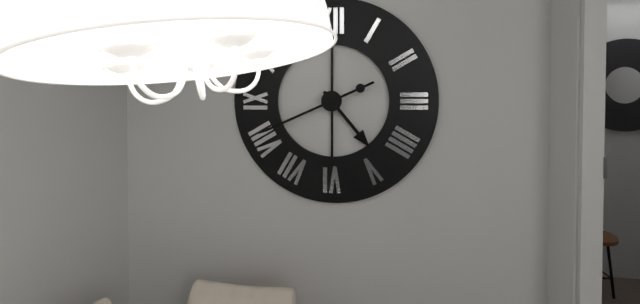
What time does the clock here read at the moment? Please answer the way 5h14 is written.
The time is 4h41
